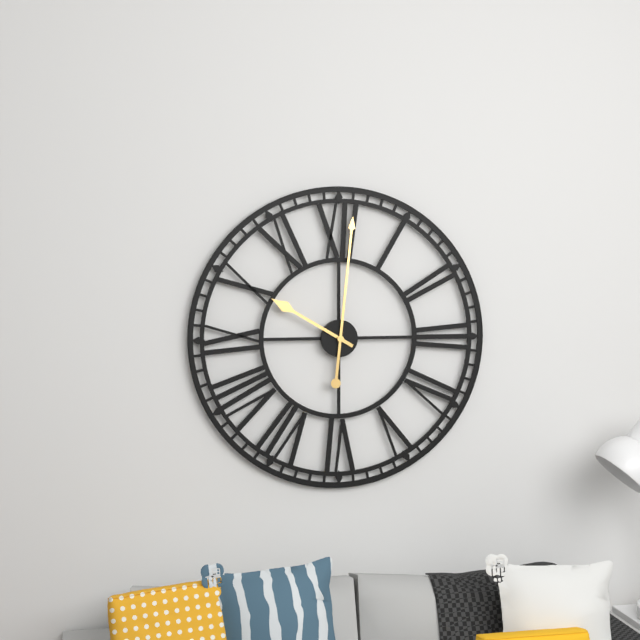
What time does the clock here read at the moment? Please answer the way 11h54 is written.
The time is 10h01
